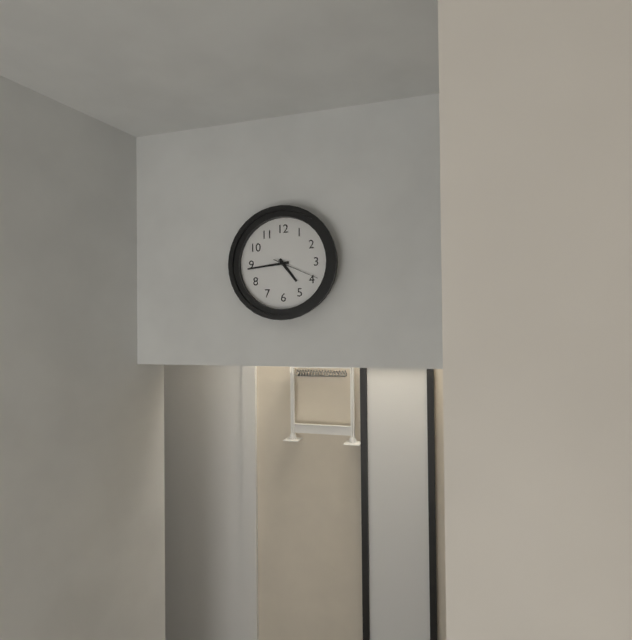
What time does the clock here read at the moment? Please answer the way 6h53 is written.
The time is 4h44
